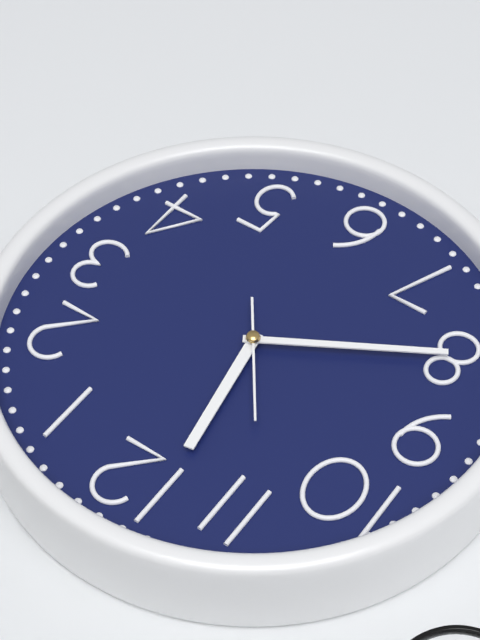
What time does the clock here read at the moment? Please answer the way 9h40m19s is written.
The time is 11h40m54s
